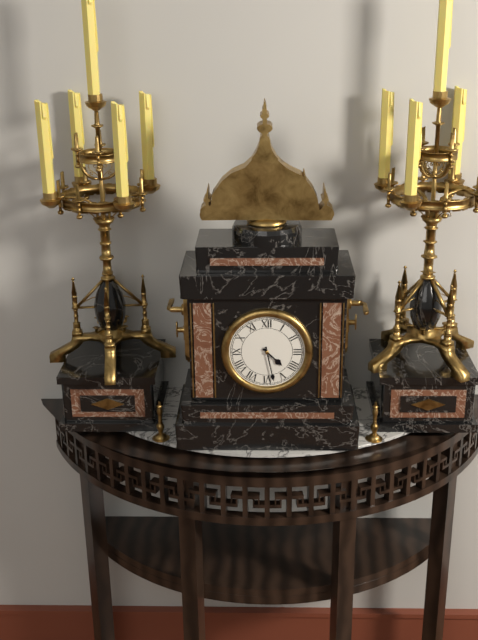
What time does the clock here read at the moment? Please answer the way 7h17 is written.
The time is 4h28
